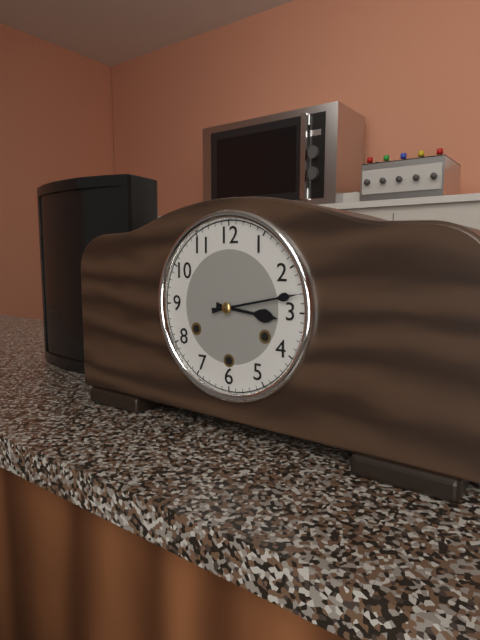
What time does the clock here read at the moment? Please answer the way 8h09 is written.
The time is 3h13
